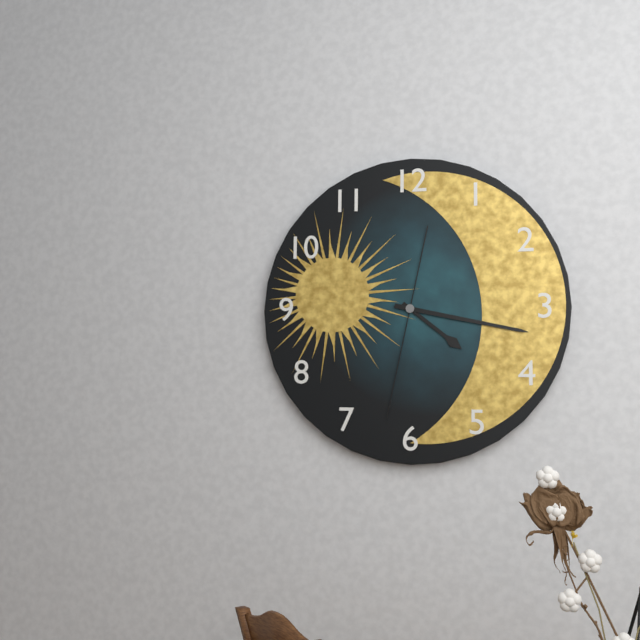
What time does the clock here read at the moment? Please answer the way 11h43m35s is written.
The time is 4h17m32s
